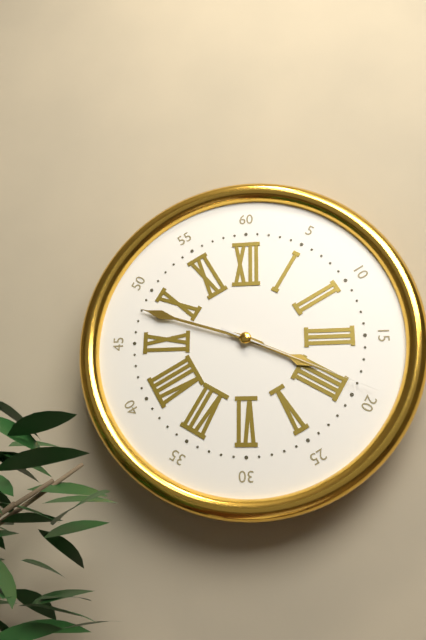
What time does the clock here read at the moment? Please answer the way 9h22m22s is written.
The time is 3h48m19s
